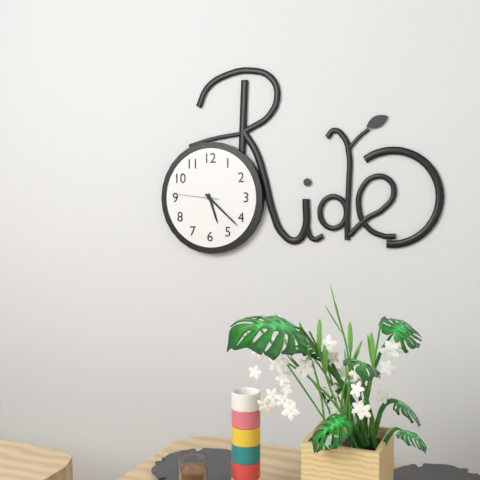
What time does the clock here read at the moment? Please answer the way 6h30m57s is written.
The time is 5h22m46s
